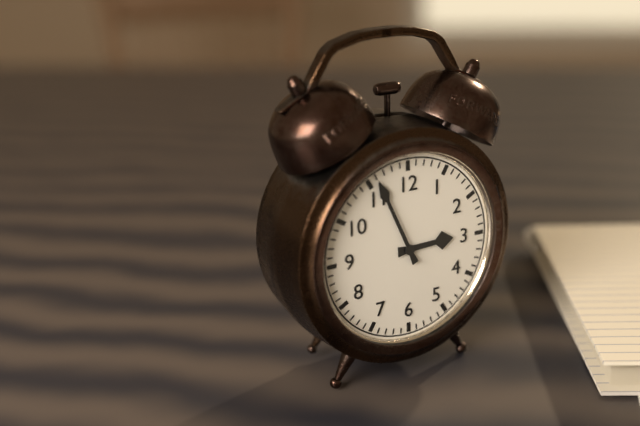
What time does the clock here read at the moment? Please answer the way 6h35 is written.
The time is 2h56
